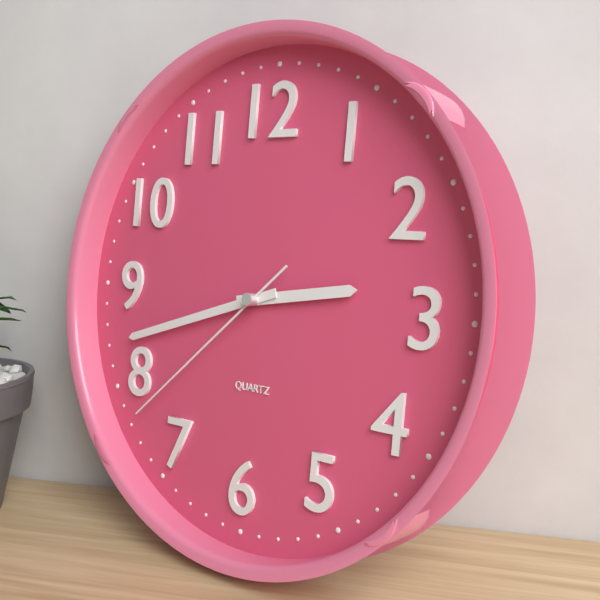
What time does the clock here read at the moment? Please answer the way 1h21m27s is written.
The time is 2h42m38s
